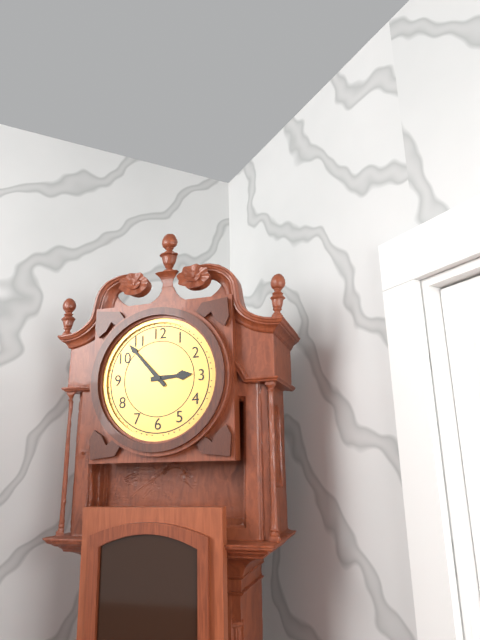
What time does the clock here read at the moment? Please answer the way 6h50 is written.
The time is 2h53
